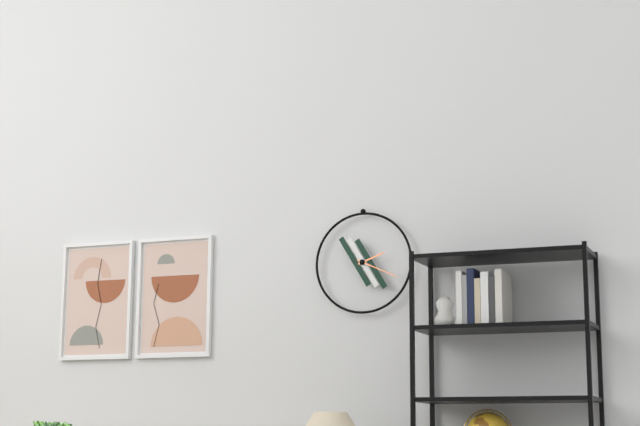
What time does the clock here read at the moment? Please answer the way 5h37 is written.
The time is 2h19
